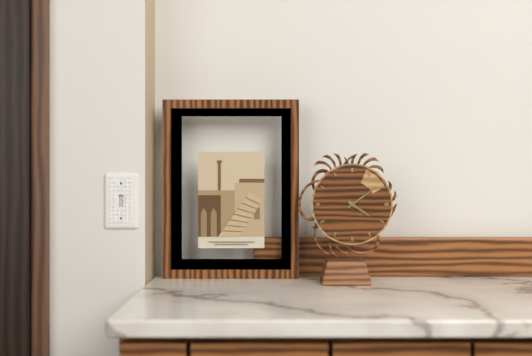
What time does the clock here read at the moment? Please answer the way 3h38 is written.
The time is 4h09
